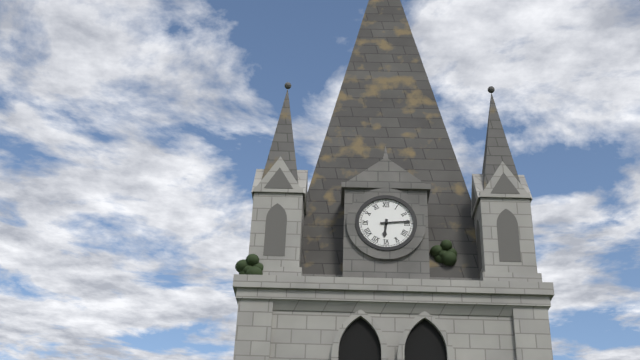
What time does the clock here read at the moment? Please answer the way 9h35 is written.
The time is 6h14
